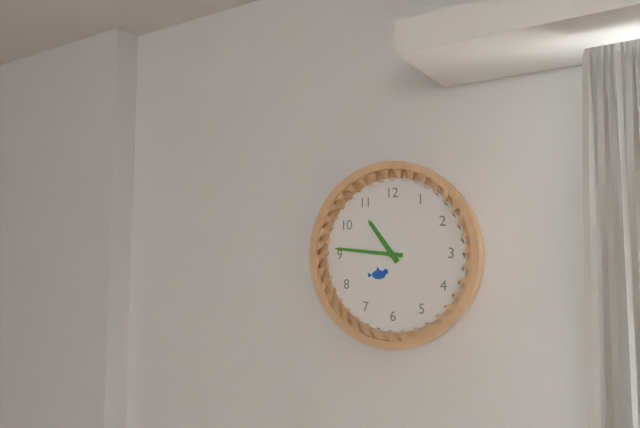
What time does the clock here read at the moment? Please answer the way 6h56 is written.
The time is 10h46
